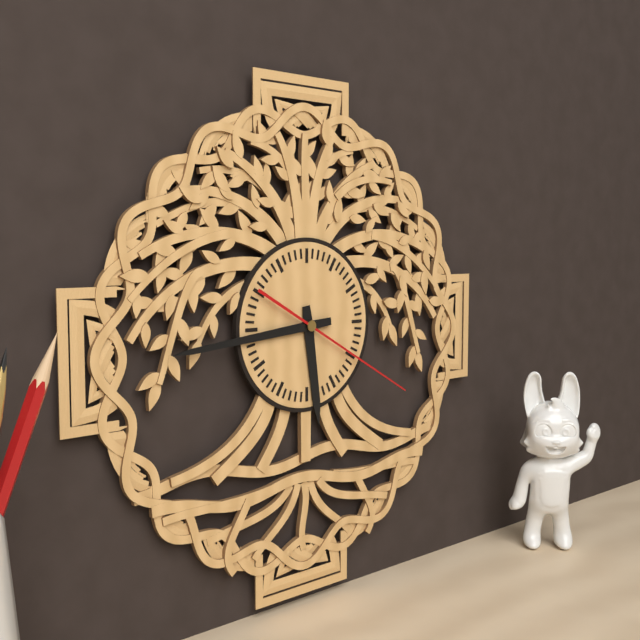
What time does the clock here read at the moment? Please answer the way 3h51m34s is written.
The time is 5h44m20s
